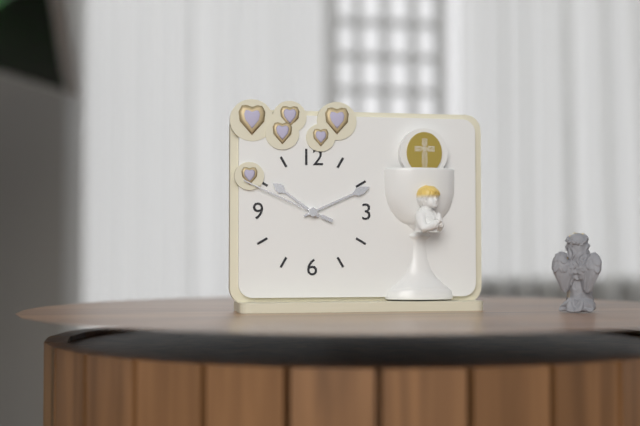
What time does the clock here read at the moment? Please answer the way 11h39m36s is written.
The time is 10h11m49s
